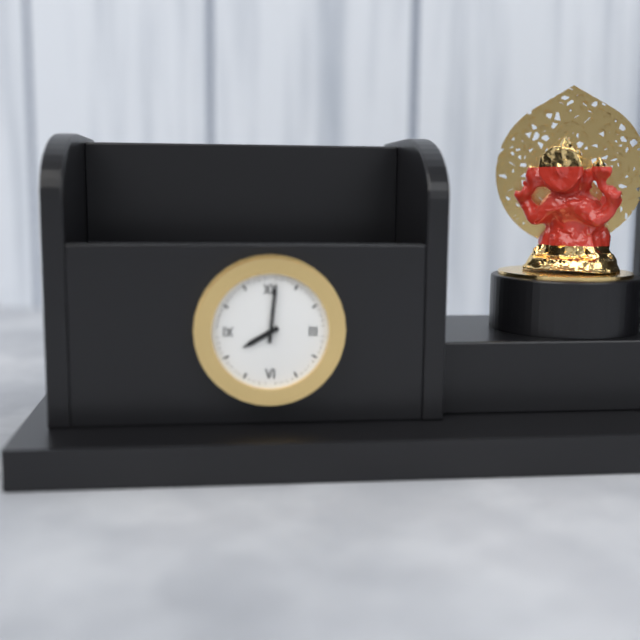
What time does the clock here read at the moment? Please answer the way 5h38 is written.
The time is 8h01
